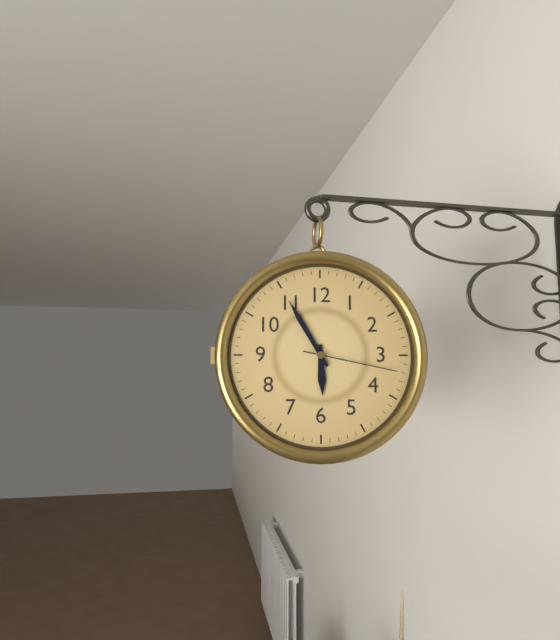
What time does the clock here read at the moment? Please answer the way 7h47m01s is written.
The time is 5h55m17s
